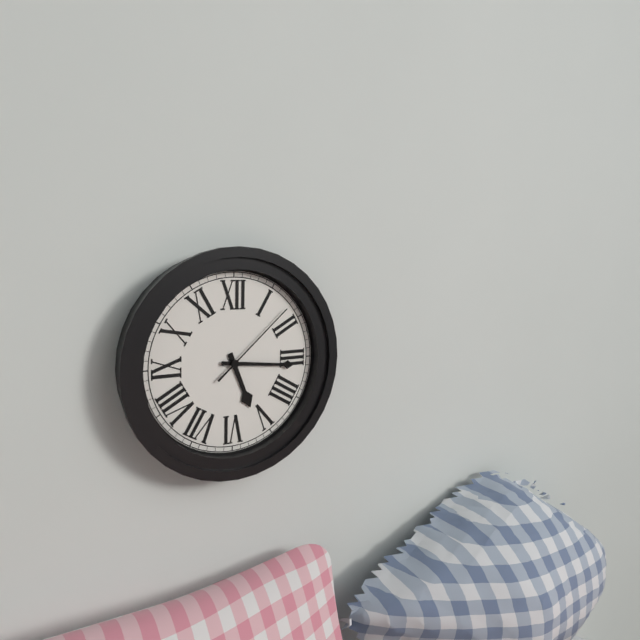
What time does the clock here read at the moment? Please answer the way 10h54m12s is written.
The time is 5h16m08s
